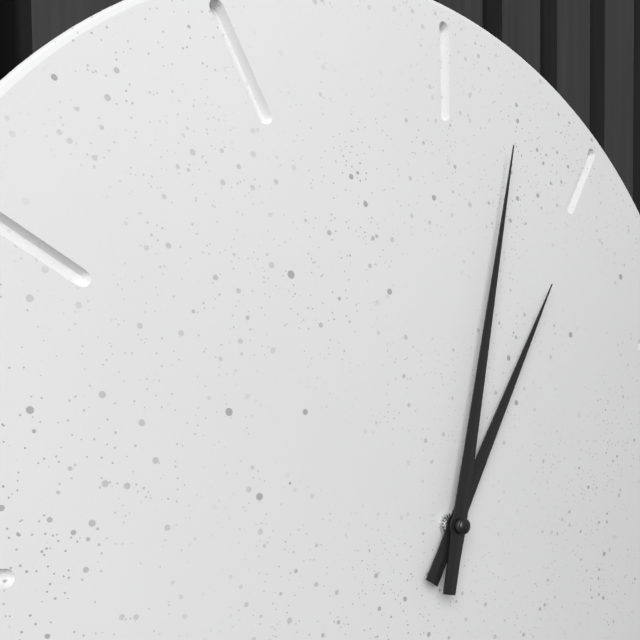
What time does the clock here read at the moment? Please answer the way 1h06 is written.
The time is 1h02
